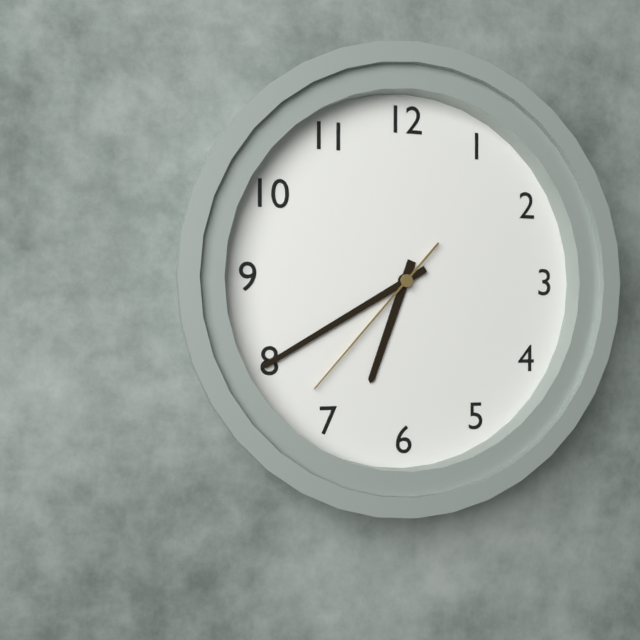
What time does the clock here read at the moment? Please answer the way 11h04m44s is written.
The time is 6h40m37s
